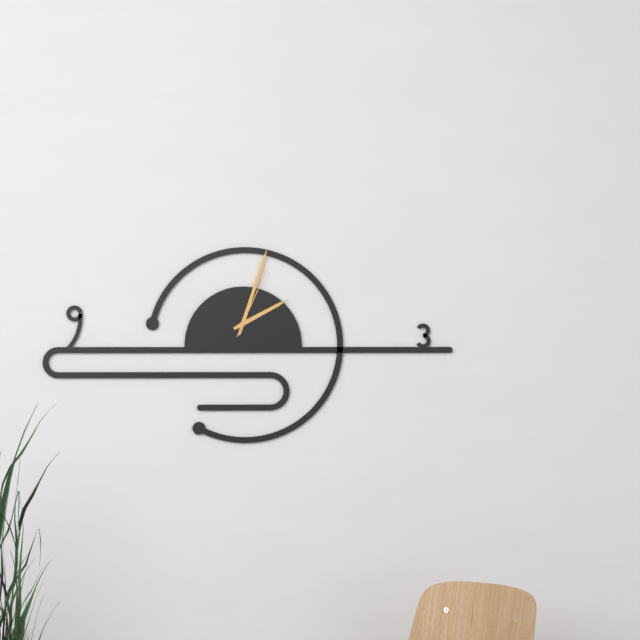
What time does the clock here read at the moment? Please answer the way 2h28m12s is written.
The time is 2h03m04s
